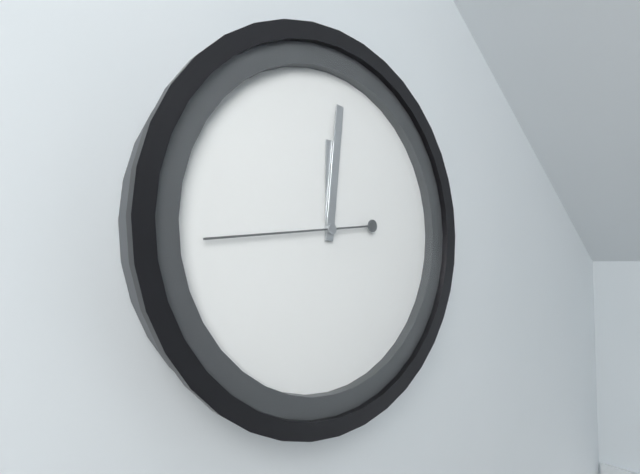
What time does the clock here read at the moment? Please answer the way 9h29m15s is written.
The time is 12h01m44s
